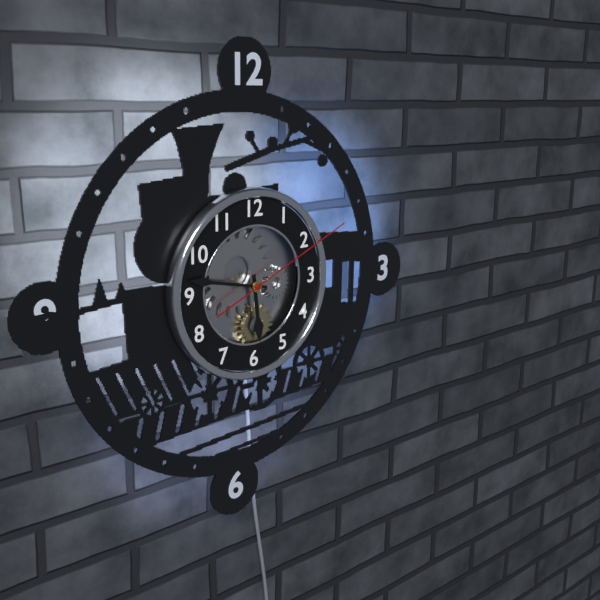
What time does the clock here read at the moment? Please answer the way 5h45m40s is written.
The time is 5h47m11s
